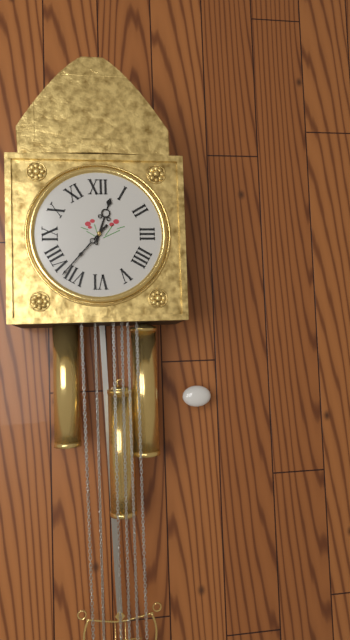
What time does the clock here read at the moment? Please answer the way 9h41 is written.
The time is 12h37
